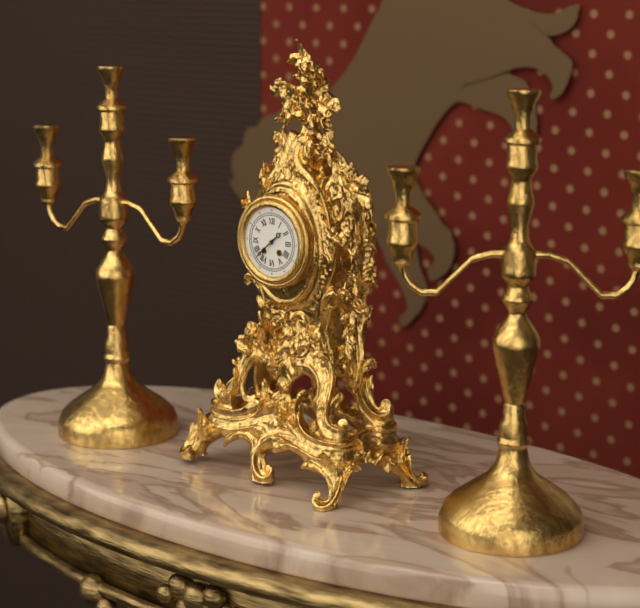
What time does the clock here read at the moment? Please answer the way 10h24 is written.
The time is 1h38
